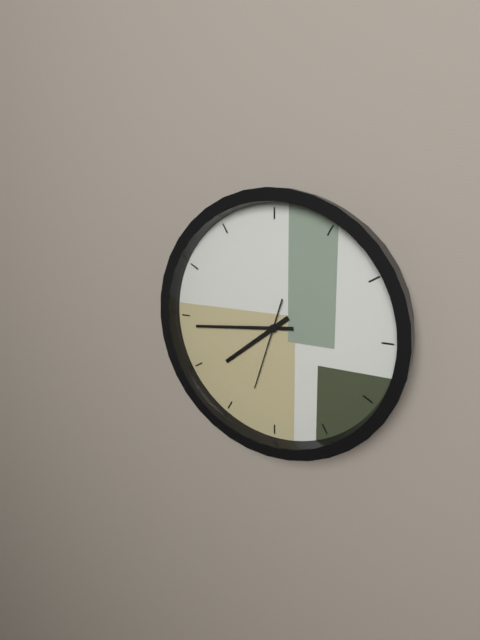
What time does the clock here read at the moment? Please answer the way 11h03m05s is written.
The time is 7h44m33s
